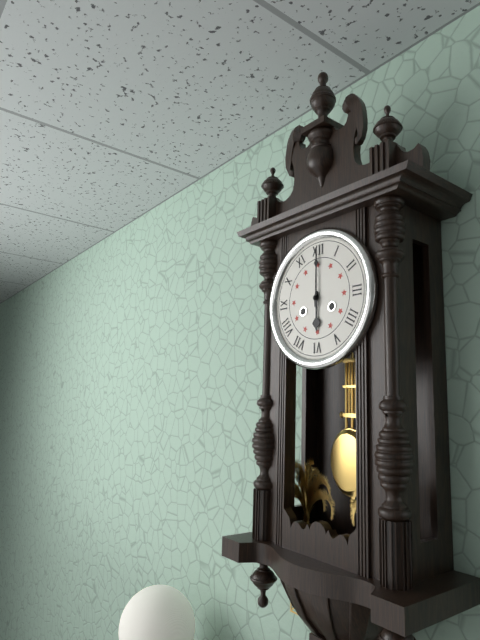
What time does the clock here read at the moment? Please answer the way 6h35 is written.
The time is 6h00
